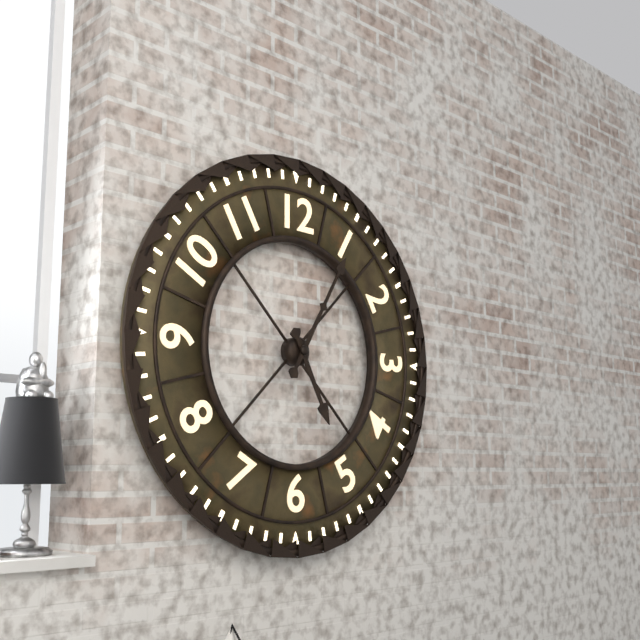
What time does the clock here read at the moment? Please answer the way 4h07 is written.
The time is 5h05
